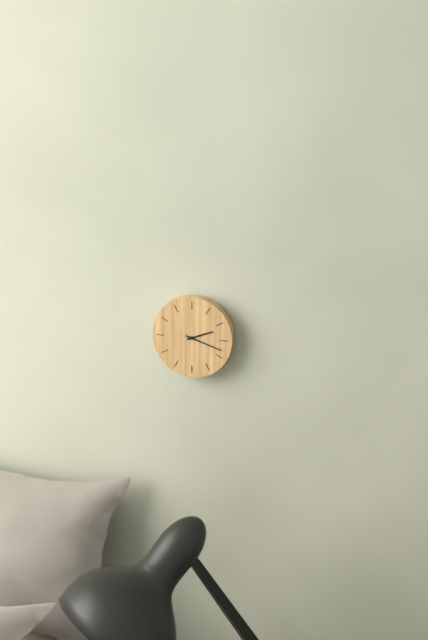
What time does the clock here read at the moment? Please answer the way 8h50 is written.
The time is 2h18
